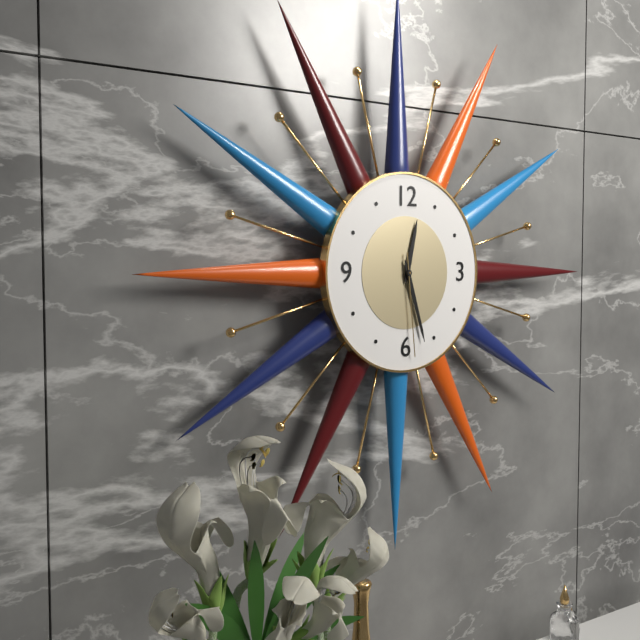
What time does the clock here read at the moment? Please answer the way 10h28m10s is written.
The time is 12h27m29s
